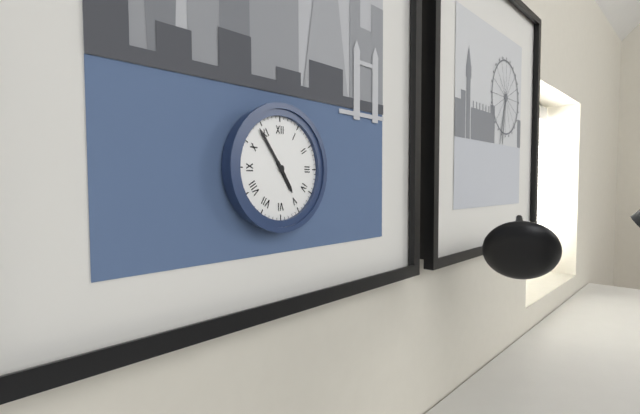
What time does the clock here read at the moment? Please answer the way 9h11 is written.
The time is 4h54
